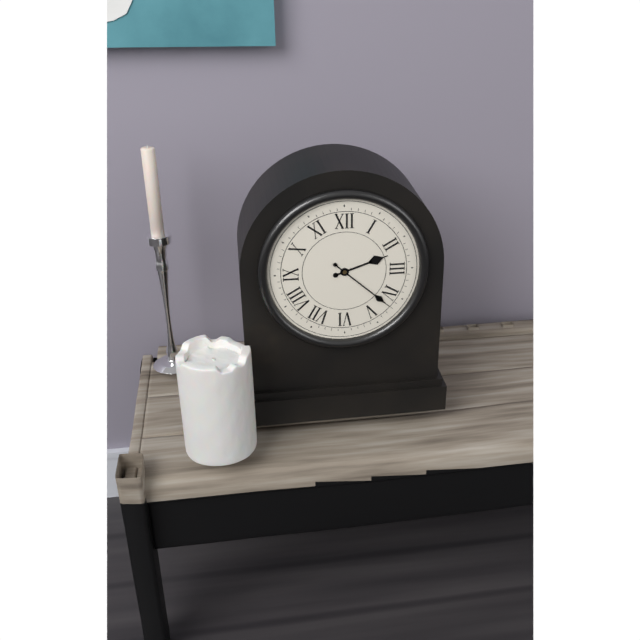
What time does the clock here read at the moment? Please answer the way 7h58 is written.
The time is 2h22
